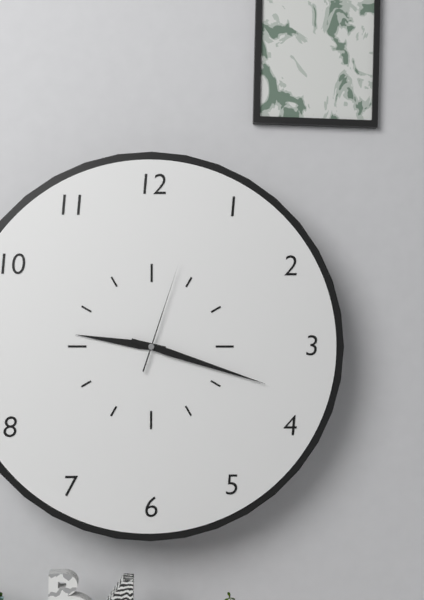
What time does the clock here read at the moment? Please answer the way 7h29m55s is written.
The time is 9h18m03s
